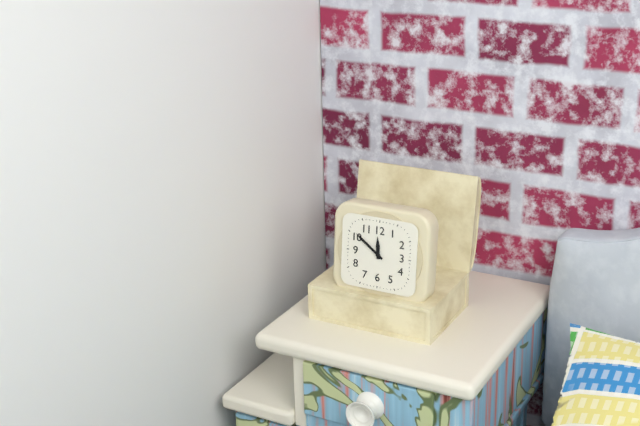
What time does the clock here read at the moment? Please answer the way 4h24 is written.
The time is 11h51
